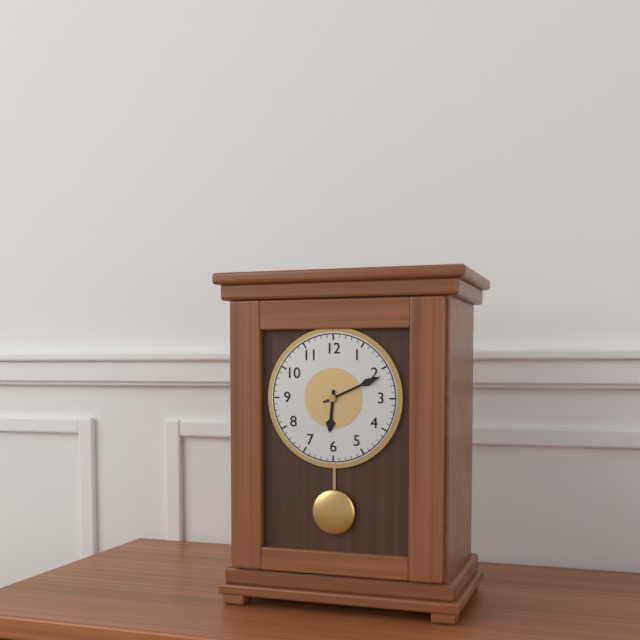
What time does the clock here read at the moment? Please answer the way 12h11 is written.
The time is 6h11
